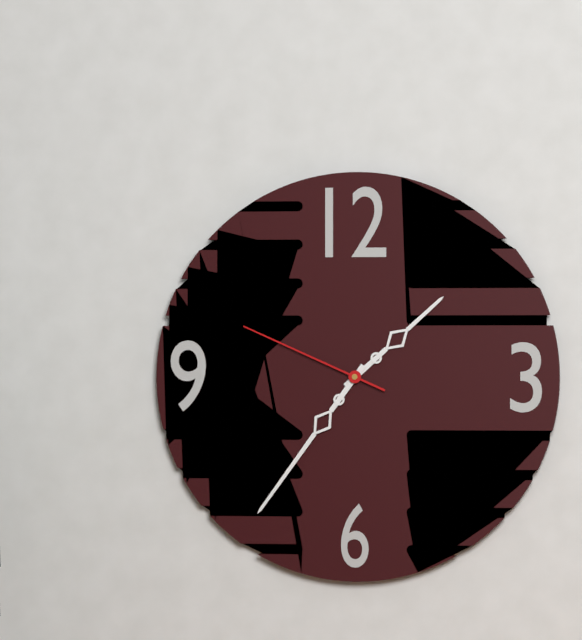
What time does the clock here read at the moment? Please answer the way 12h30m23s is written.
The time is 1h36m49s
